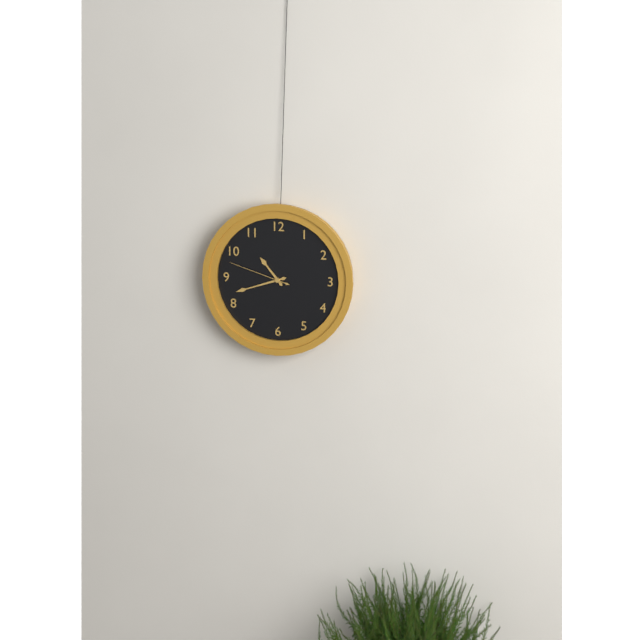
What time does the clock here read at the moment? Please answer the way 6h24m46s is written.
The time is 10h42m48s
